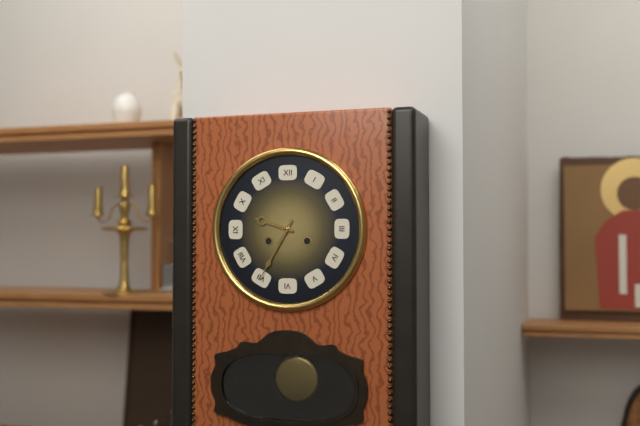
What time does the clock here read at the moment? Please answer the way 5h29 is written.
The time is 9h35
